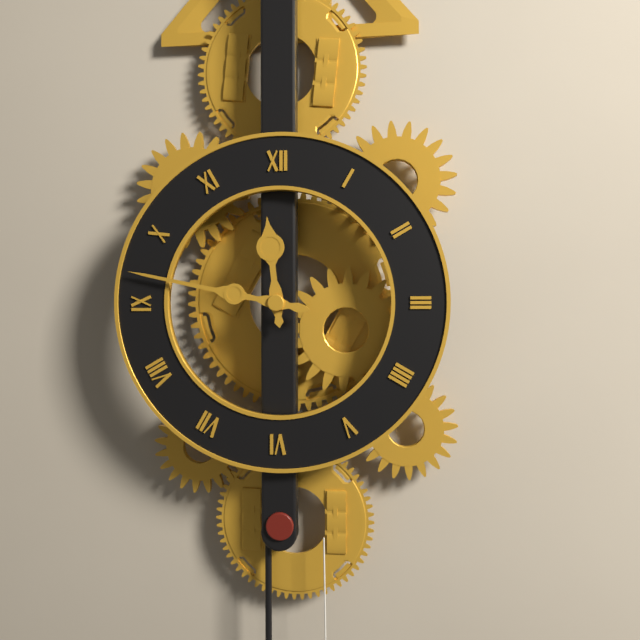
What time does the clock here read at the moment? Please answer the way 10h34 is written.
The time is 11h47
